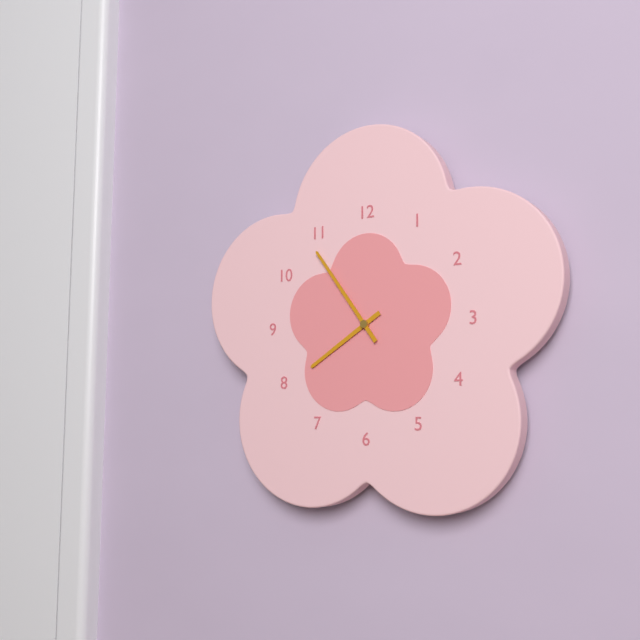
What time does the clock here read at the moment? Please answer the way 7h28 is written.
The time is 7h54
